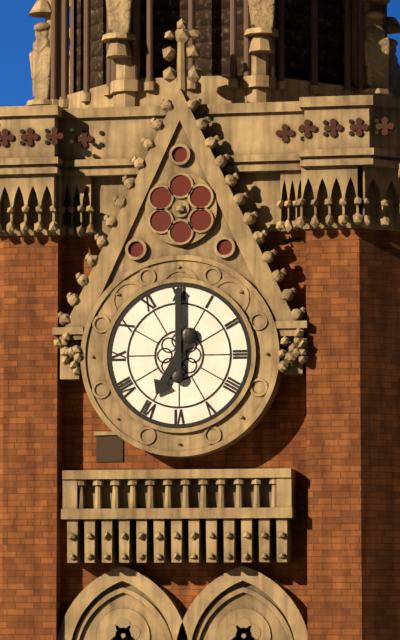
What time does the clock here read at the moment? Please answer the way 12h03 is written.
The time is 7h00
